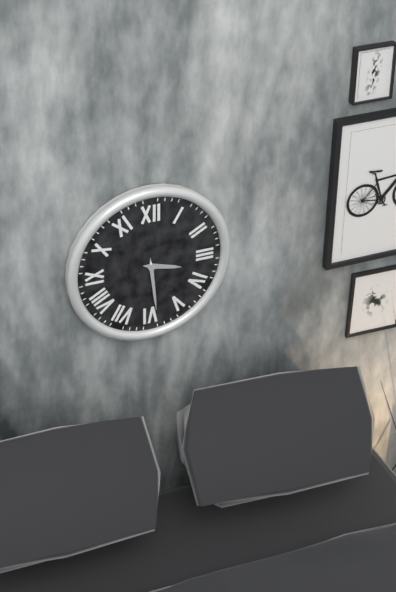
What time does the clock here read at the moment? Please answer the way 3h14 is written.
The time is 3h29
